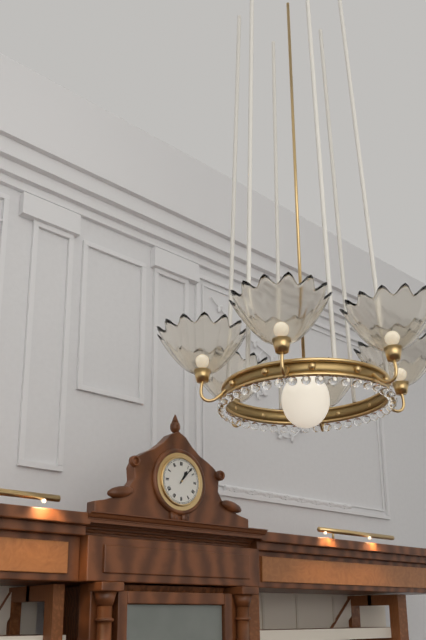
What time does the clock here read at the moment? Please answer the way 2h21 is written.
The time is 1h07
